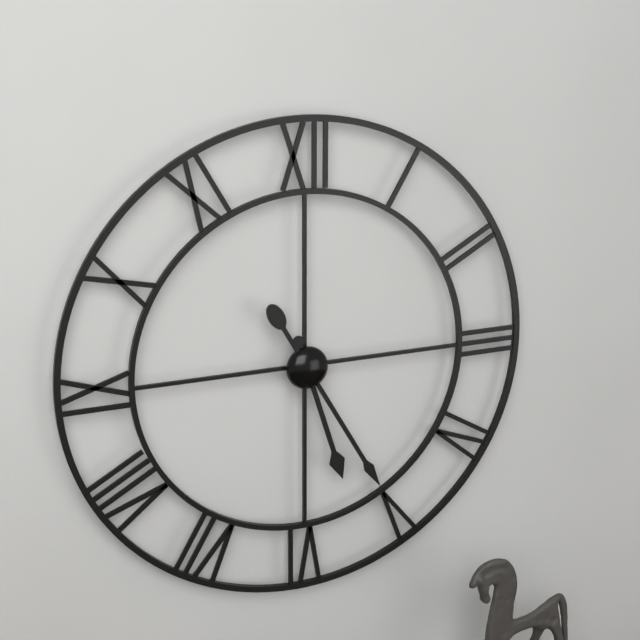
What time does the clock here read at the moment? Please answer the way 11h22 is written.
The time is 5h25
